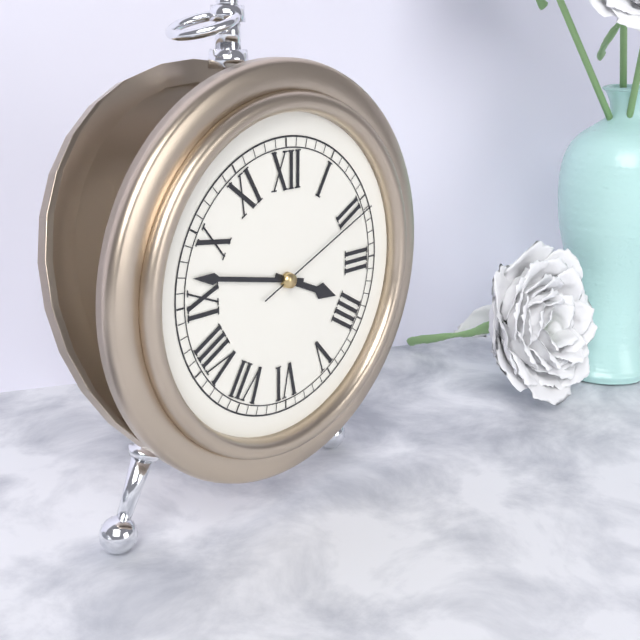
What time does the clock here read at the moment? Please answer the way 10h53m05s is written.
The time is 3h47m11s
